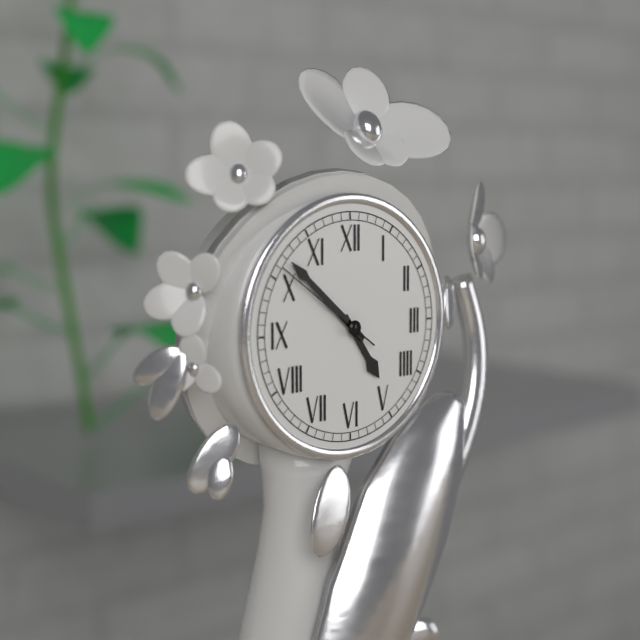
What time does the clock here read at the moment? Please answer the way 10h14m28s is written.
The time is 4h52m51s
